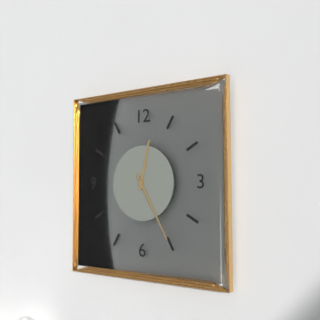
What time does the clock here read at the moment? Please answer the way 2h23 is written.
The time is 12h25
